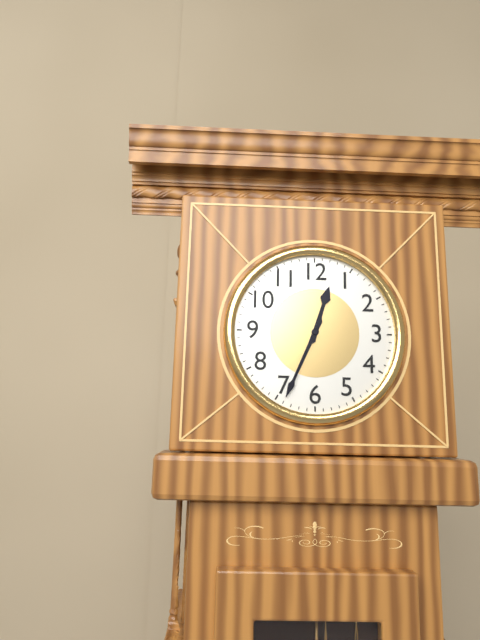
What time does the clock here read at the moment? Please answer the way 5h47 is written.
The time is 12h34
